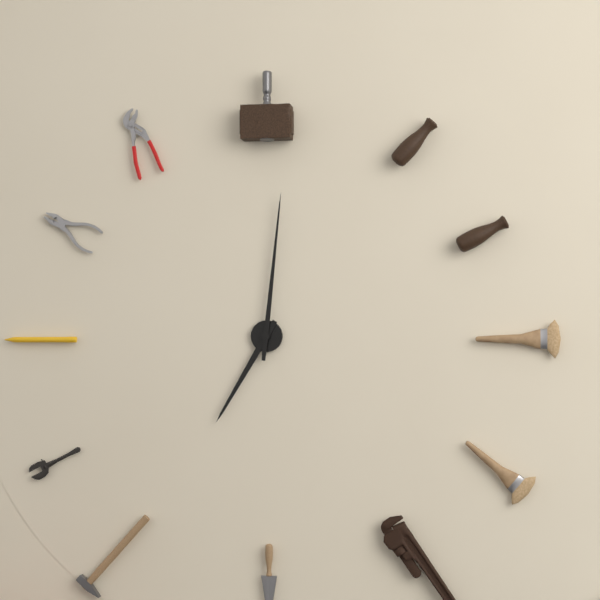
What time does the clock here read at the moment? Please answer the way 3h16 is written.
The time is 7h01
